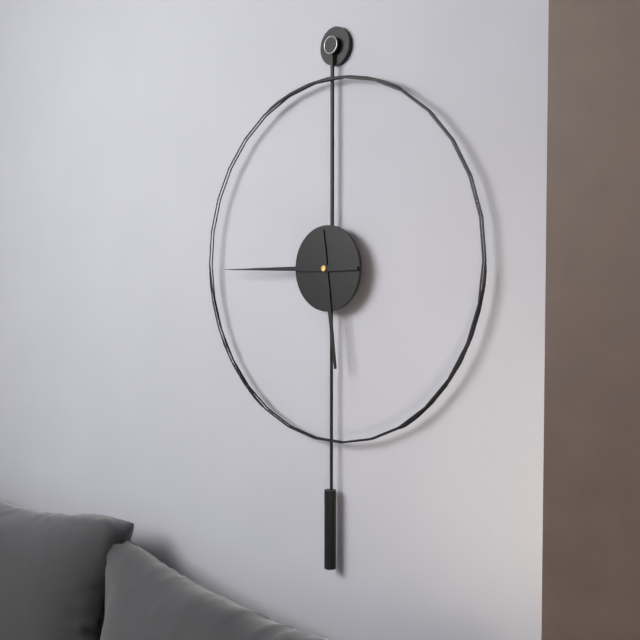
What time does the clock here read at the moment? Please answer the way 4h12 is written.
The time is 5h45
